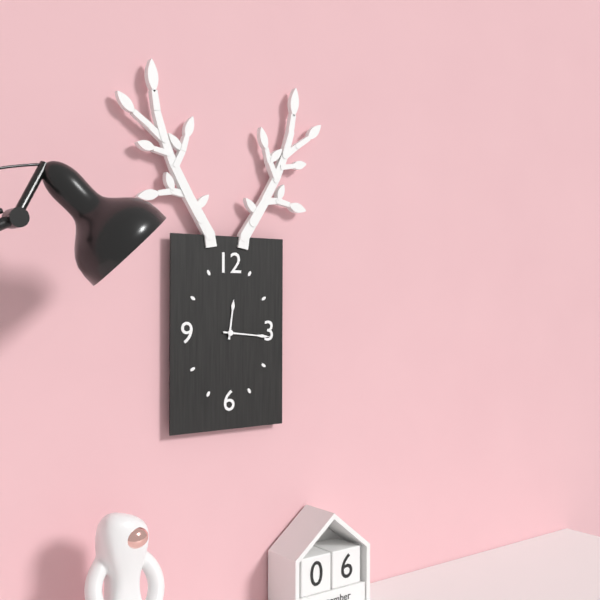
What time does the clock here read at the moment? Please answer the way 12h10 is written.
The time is 12h16
